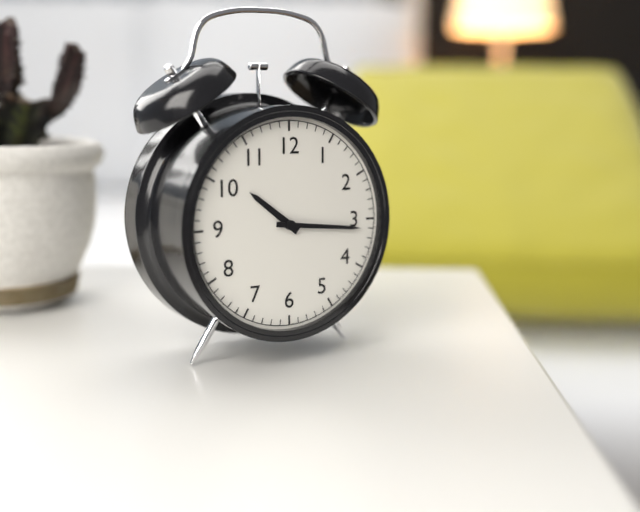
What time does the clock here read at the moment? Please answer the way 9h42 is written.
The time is 10h16
